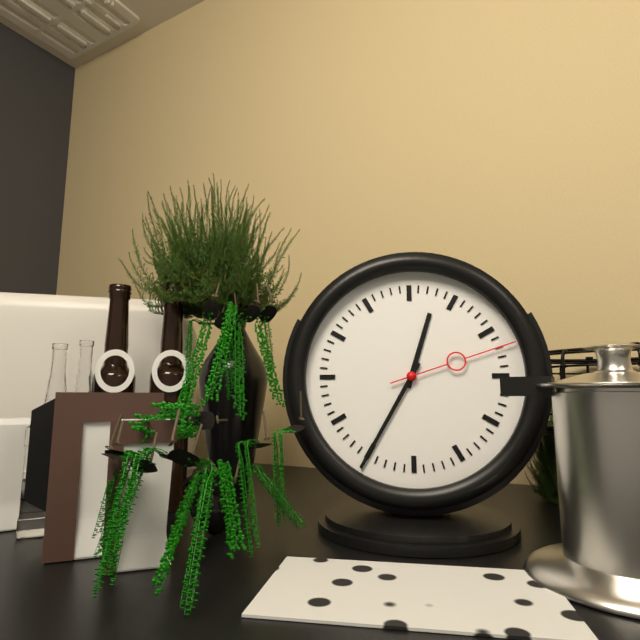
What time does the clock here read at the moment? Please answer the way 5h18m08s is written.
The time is 12h35m12s
